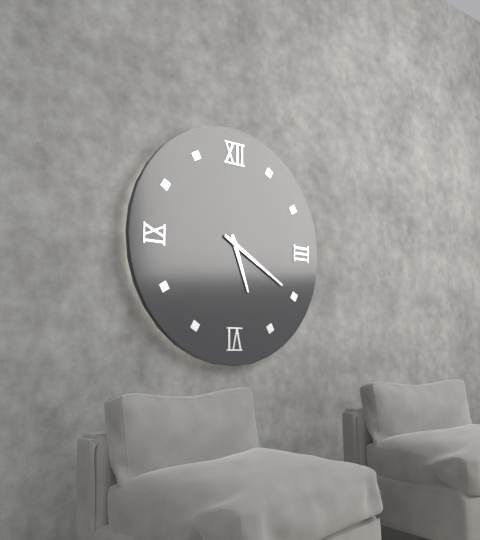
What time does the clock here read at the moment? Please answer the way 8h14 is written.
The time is 5h20
